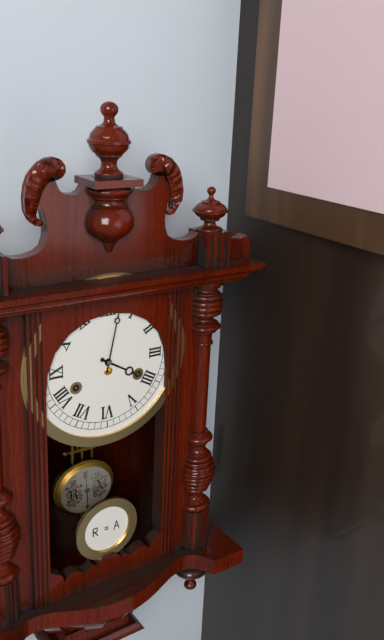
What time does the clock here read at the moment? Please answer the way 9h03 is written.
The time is 4h02
